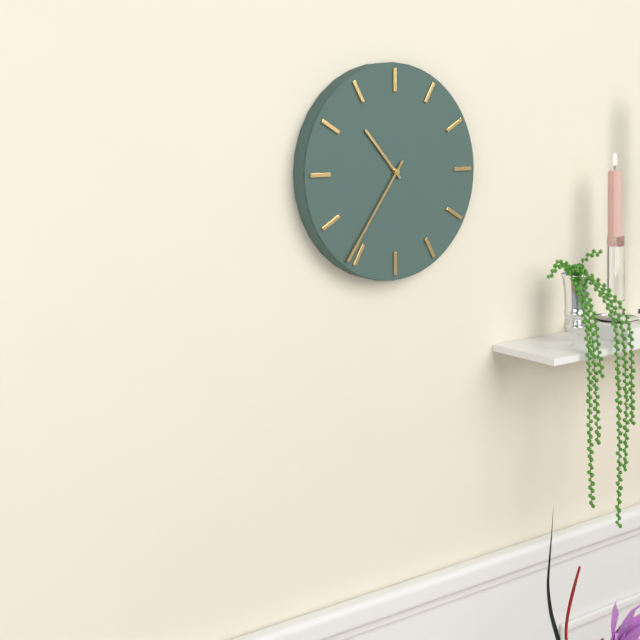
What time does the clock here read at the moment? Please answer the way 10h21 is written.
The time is 10h36
